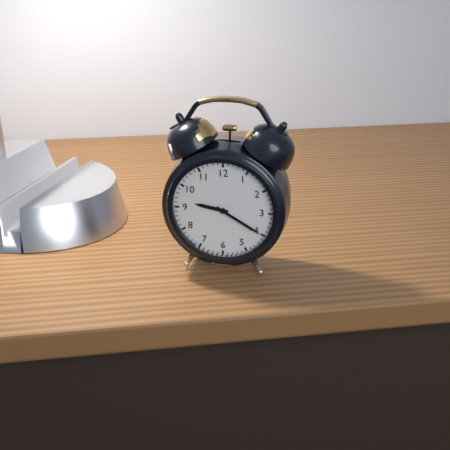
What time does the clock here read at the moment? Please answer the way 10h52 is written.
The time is 9h20
